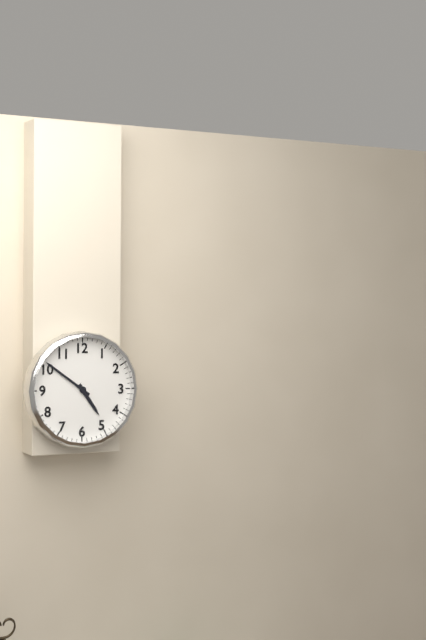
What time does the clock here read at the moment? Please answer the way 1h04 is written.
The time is 4h51
